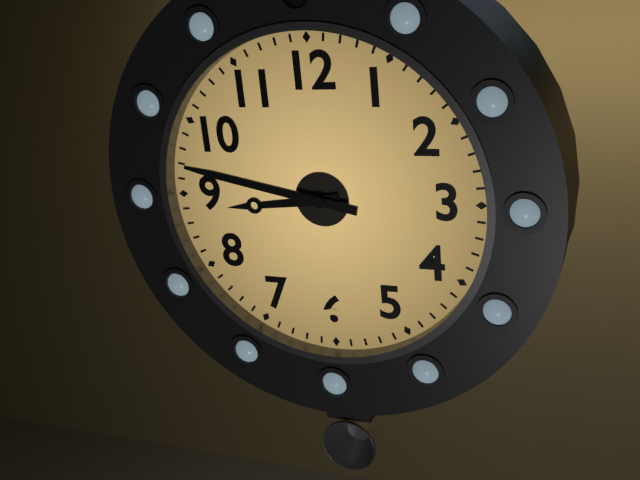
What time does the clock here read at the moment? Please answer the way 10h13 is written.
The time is 8h47
